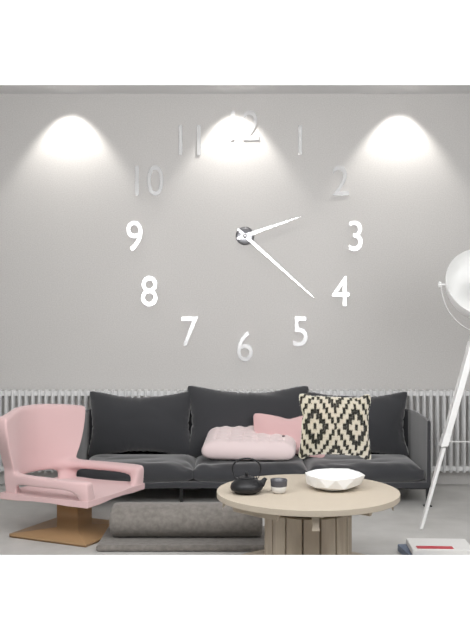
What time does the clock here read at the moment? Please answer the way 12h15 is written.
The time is 2h22
